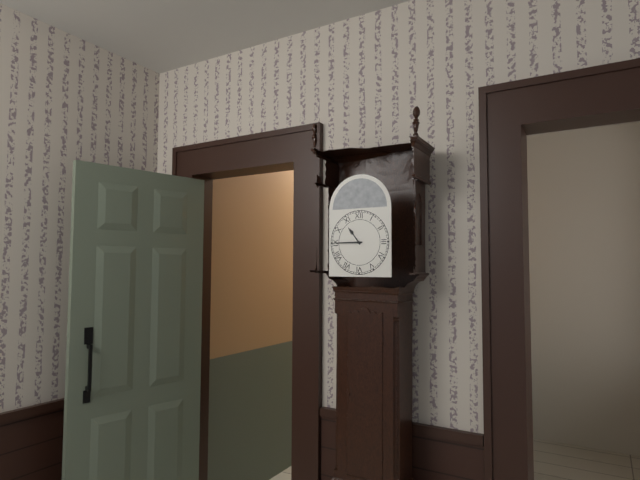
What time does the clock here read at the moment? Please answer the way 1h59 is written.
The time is 10h45
